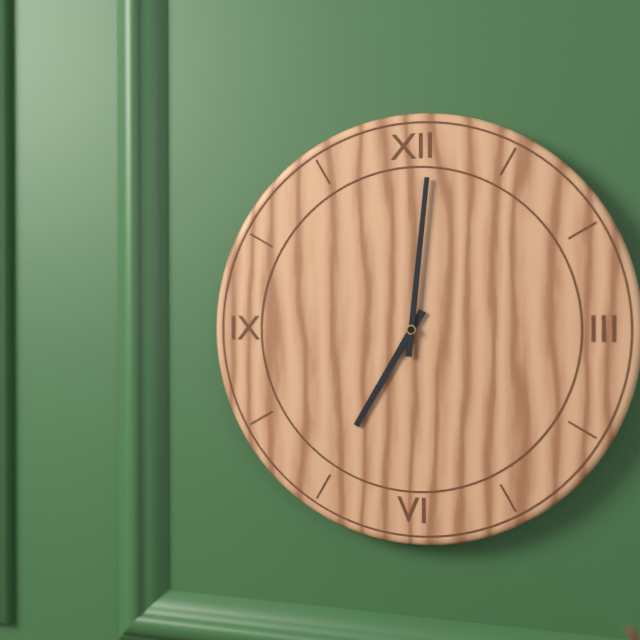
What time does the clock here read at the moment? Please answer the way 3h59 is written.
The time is 7h01
